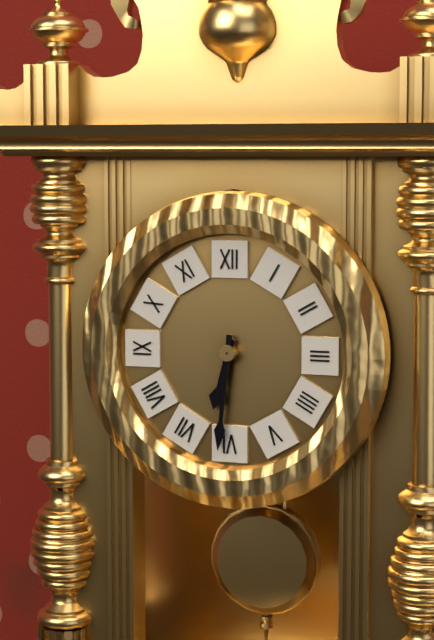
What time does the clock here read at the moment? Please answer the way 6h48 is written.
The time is 6h31
